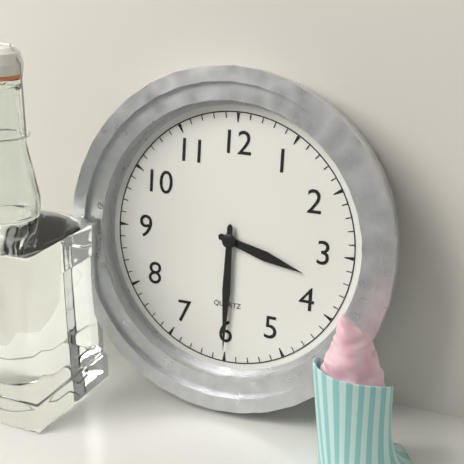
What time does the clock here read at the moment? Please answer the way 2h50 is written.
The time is 3h30
